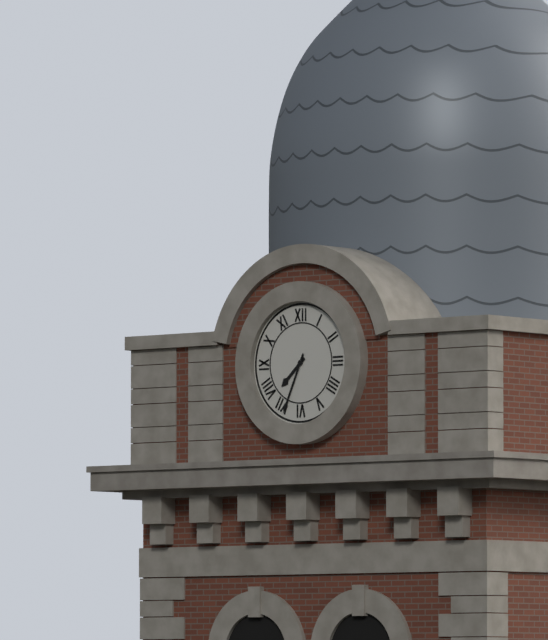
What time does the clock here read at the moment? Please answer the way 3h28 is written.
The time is 7h34
